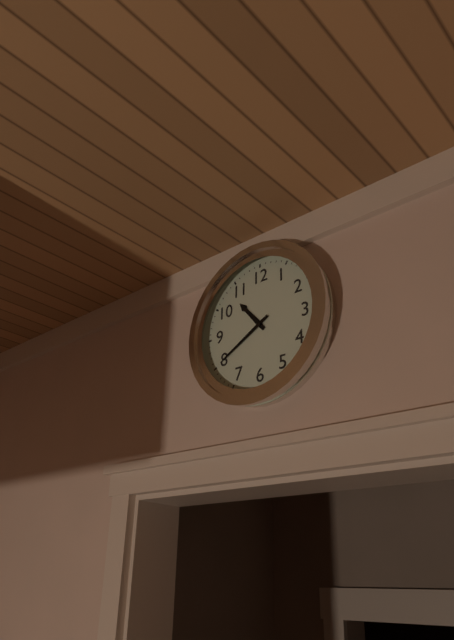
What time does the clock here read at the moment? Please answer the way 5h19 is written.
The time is 10h40
